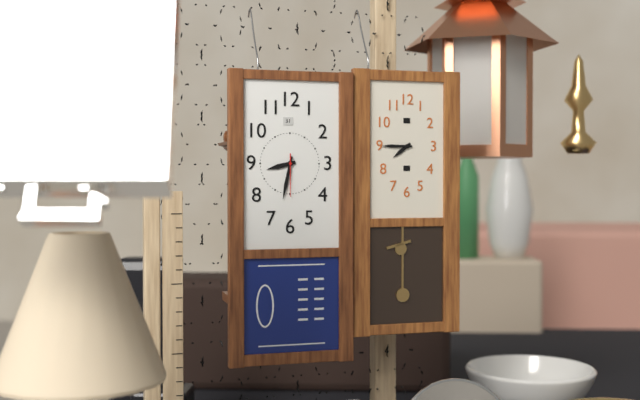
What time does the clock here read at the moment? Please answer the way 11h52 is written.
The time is 8h32
